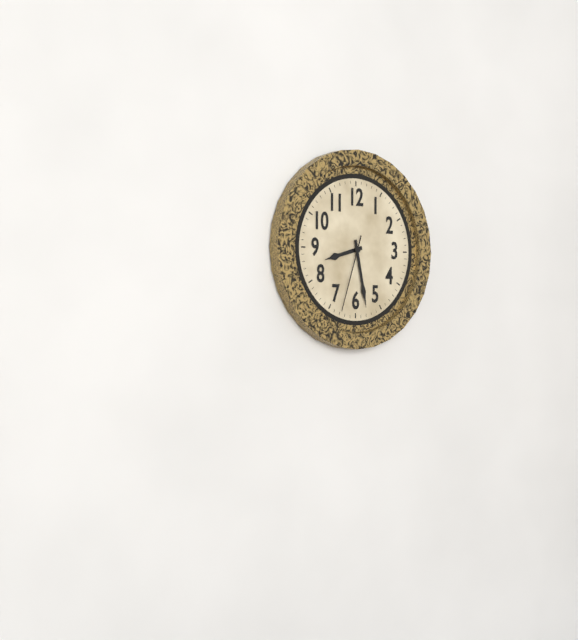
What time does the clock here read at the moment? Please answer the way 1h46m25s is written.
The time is 8h28m33s
